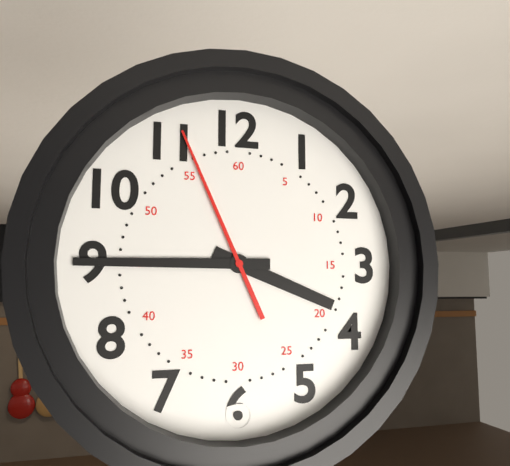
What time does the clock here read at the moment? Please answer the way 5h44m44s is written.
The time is 3h45m56s
